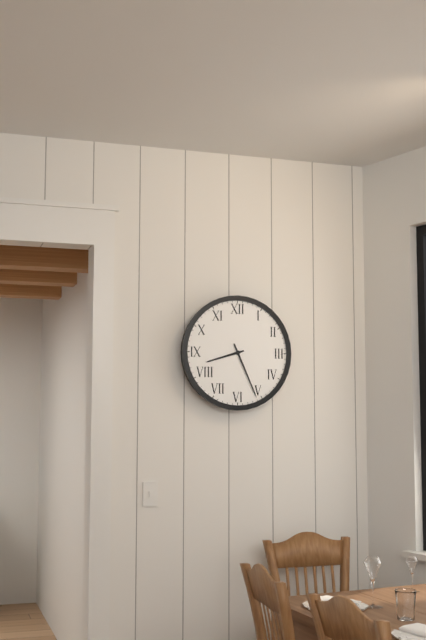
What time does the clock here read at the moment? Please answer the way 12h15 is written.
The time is 8h26
